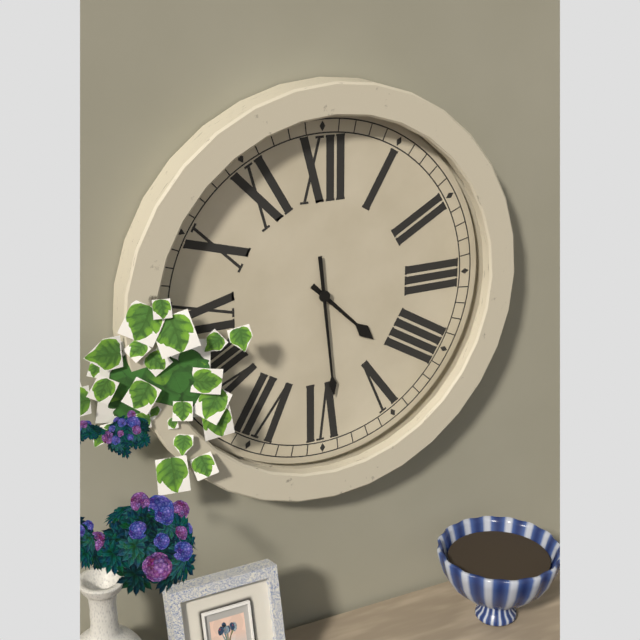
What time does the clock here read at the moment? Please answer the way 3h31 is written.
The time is 4h29
